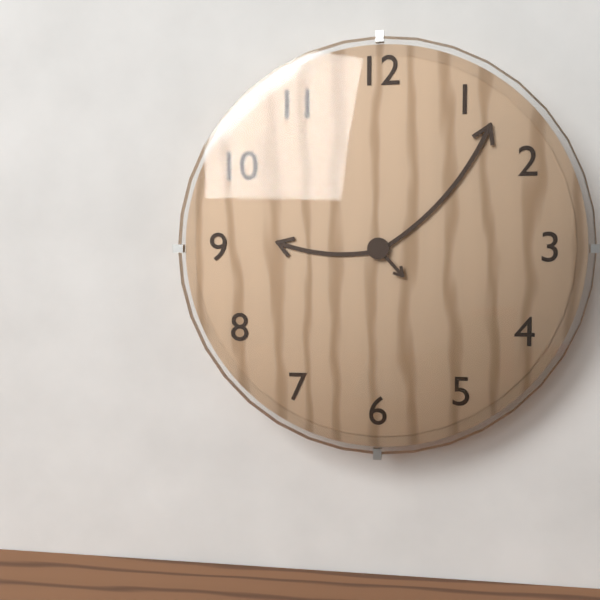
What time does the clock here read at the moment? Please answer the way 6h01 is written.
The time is 9h07
